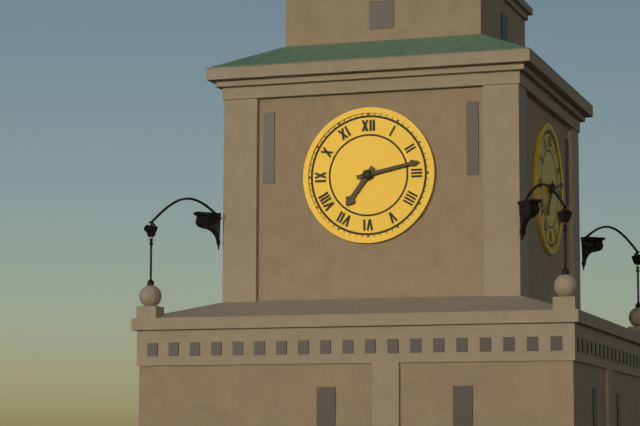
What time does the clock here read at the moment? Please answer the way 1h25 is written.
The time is 7h13
